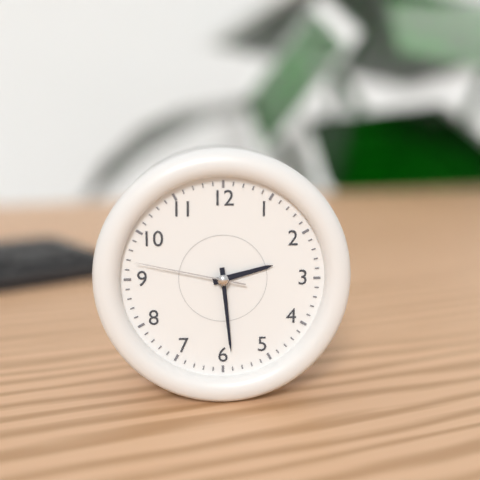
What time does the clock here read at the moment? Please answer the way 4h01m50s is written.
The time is 2h29m47s
